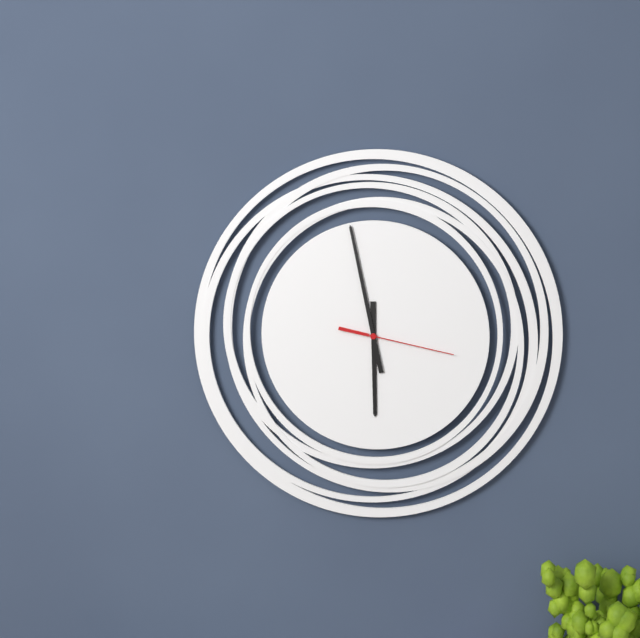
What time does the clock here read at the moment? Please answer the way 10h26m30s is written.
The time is 5h58m17s
